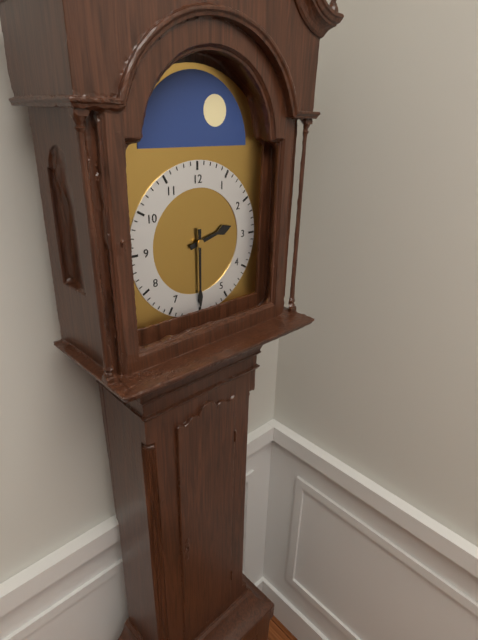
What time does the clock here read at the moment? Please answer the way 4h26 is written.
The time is 2h30
